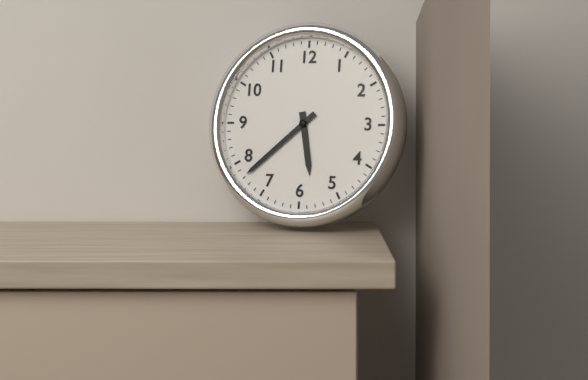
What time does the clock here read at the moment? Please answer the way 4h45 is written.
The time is 5h38
